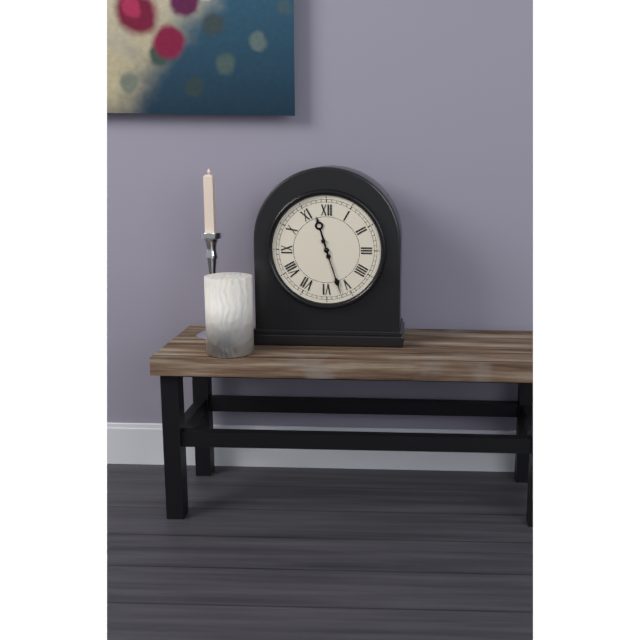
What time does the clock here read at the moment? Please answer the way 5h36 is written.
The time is 11h27
